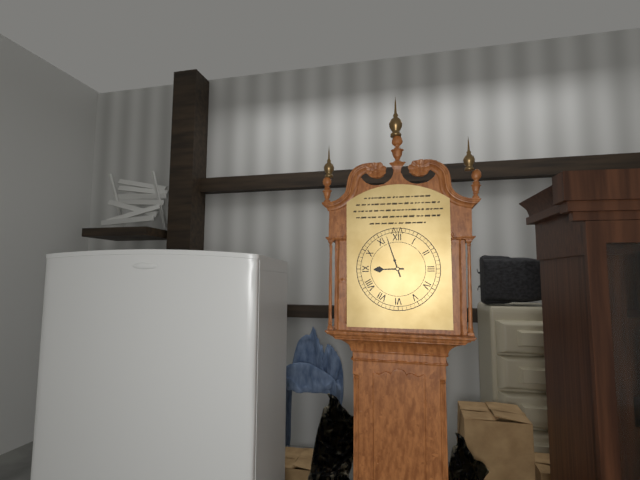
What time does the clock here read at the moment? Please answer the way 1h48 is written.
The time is 8h57
